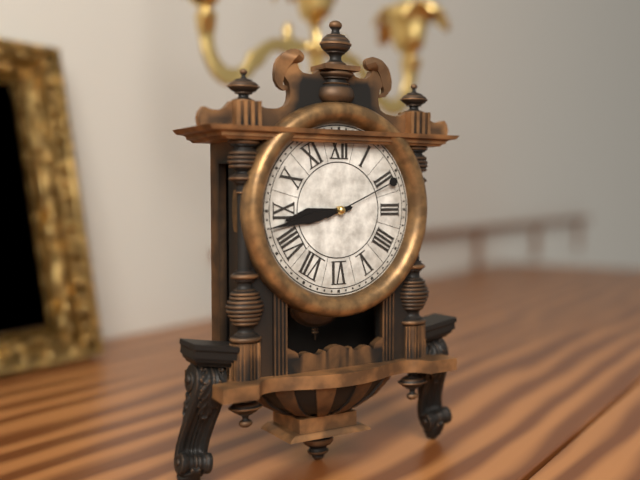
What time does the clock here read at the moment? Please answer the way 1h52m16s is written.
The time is 8h43m11s
